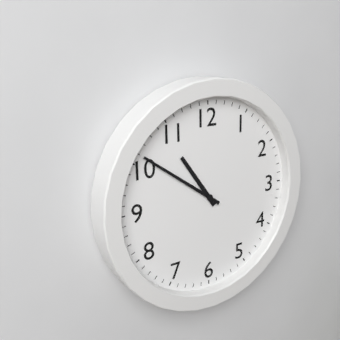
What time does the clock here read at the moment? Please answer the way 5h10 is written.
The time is 10h51
